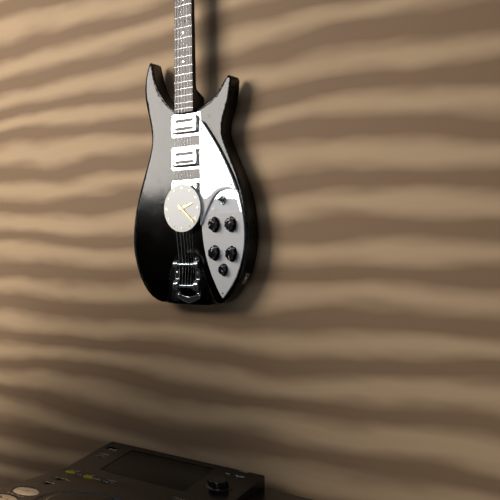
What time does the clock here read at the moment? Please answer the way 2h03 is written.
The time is 2h22
